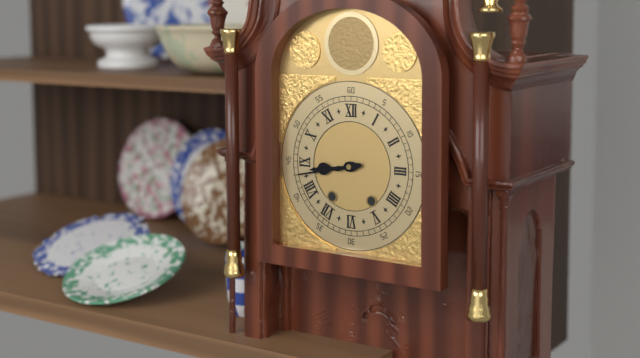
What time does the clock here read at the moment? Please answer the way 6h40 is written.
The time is 8h43
